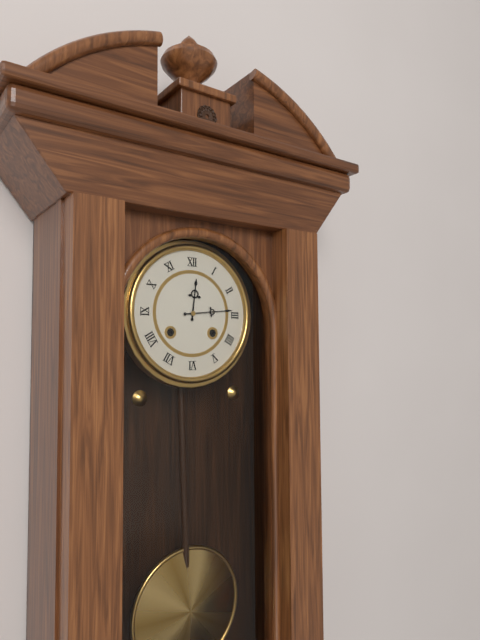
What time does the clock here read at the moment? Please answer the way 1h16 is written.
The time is 12h14
